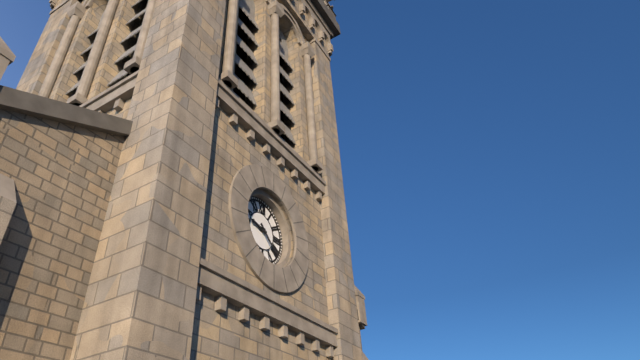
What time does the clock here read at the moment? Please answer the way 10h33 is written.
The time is 9h22
